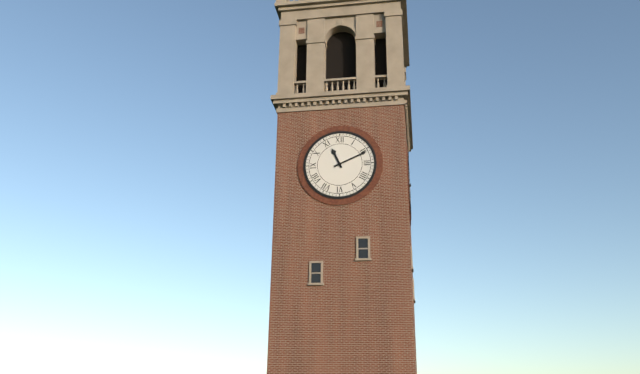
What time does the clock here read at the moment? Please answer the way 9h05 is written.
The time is 11h11
